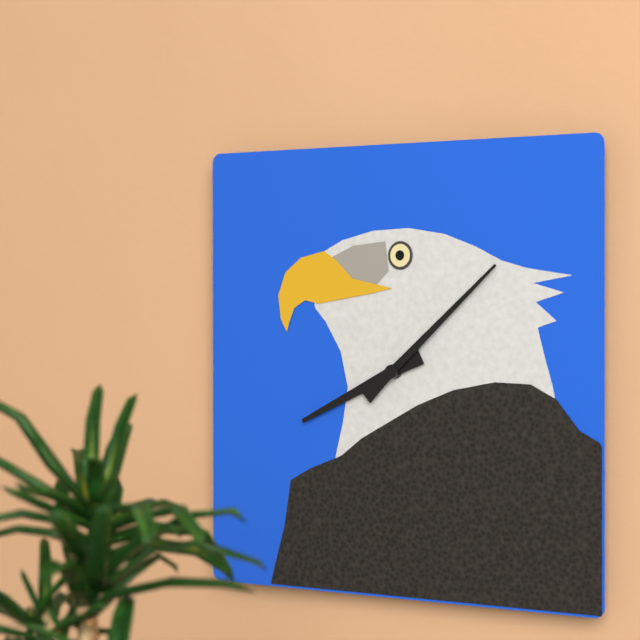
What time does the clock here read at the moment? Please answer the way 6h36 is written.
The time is 8h08
